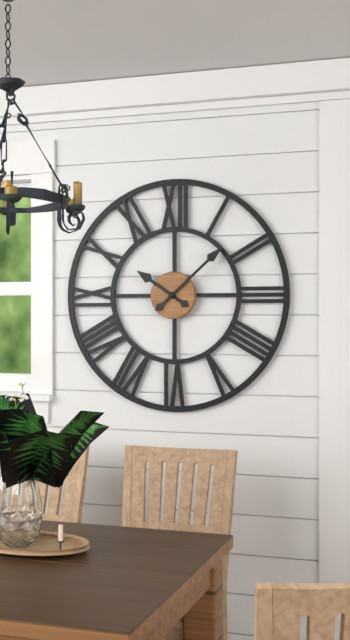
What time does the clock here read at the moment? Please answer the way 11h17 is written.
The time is 10h08
